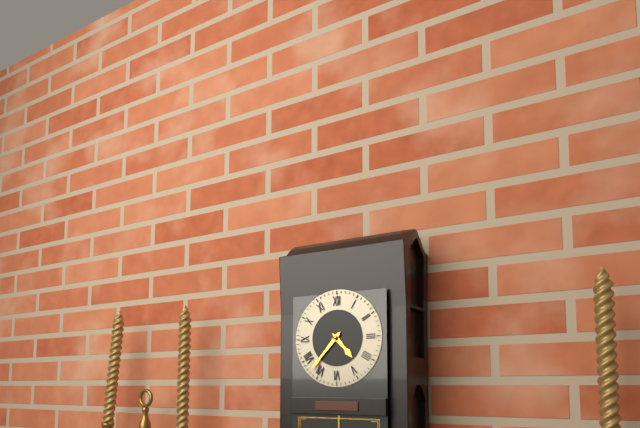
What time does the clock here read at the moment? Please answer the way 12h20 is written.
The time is 4h37
